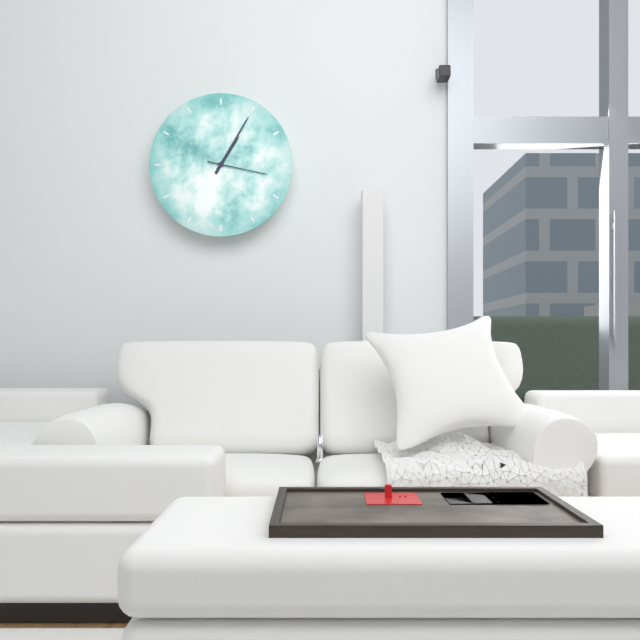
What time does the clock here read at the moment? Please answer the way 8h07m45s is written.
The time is 1h05m17s
